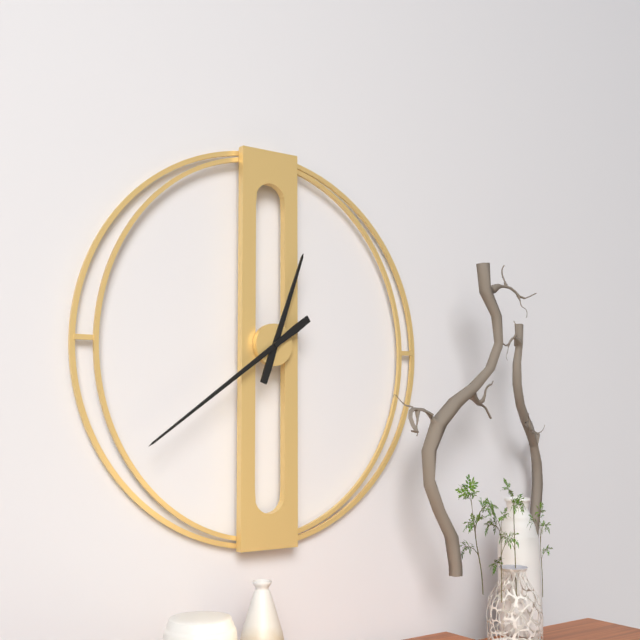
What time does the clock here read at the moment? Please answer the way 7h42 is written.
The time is 12h39
